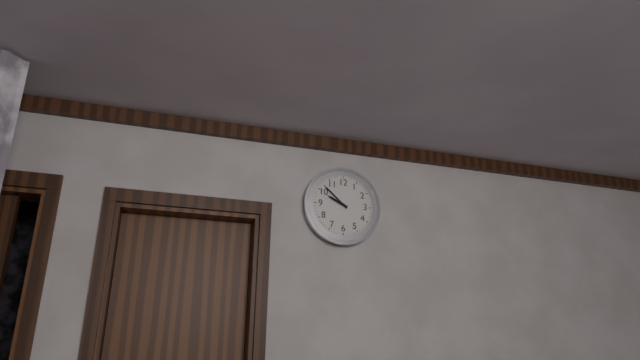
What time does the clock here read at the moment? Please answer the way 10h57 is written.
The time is 9h52
